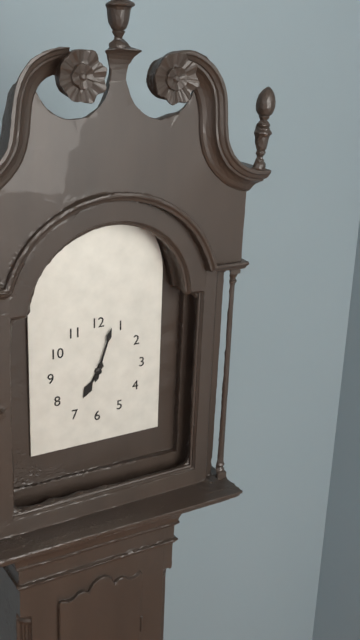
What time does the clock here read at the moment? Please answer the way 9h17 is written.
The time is 7h03
